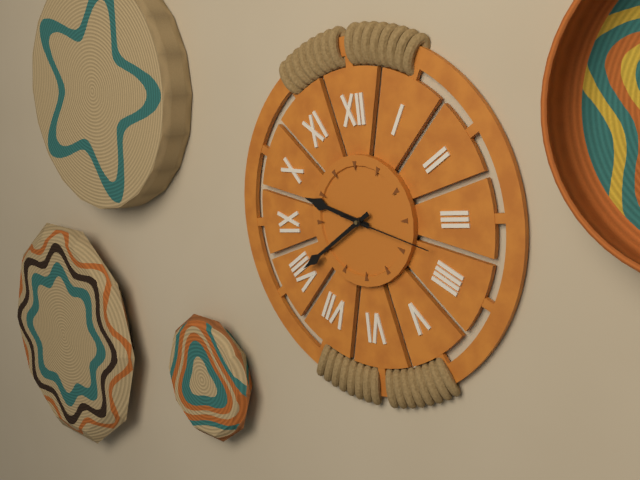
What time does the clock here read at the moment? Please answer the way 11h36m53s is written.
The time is 9h40m18s
